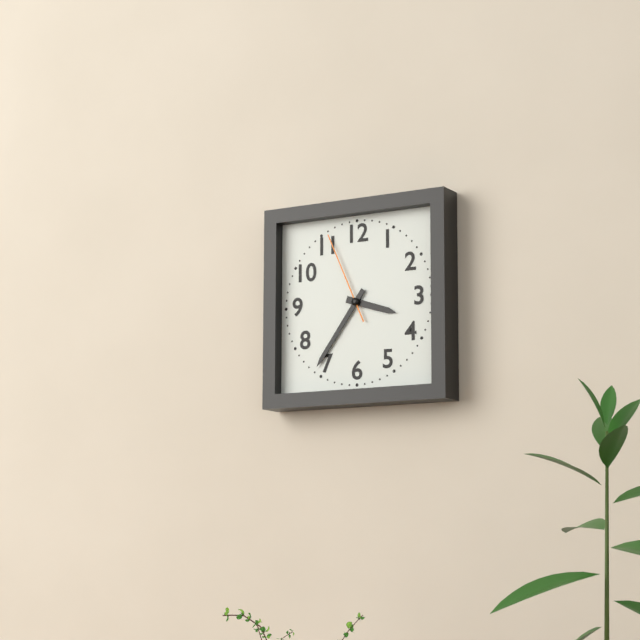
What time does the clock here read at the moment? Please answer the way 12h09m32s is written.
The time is 3h36m56s
